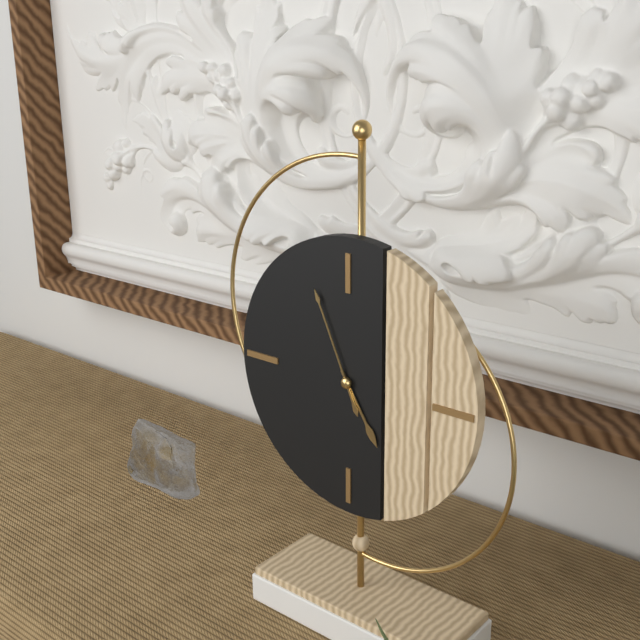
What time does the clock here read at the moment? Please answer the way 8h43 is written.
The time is 4h56
